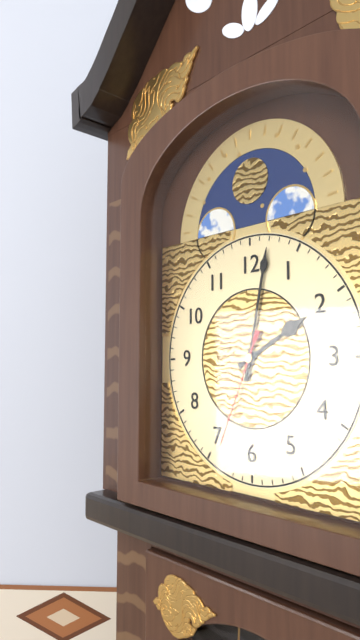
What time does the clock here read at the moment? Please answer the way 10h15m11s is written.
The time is 2h02m34s
